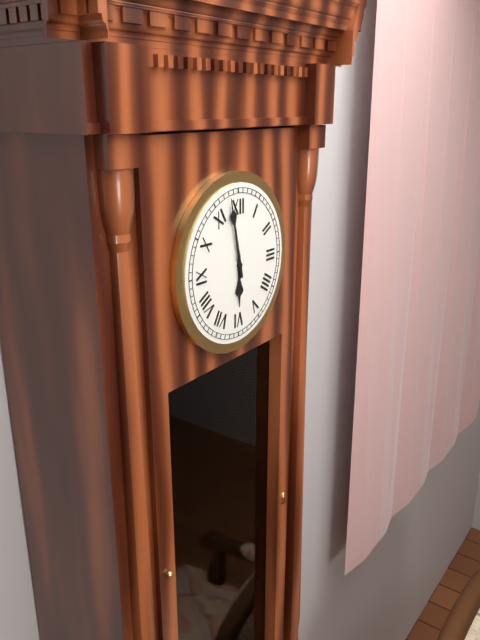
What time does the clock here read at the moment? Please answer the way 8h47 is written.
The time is 5h58
